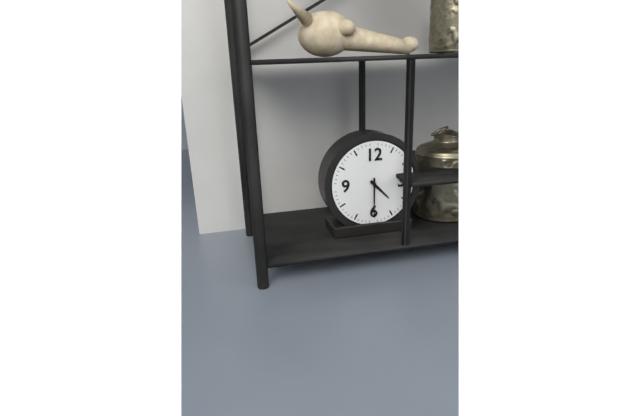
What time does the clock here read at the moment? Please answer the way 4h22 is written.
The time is 4h30
